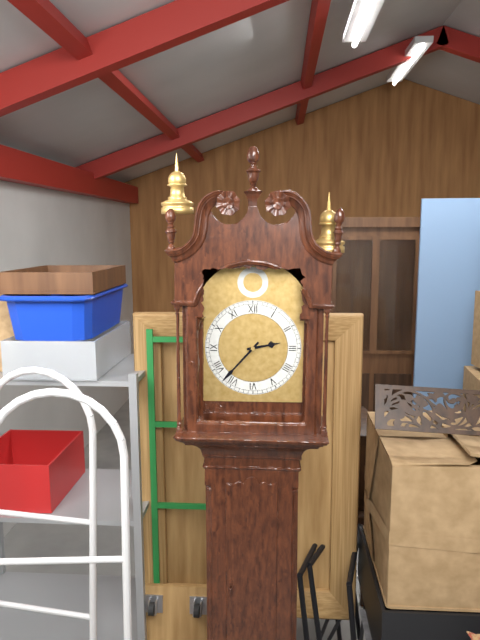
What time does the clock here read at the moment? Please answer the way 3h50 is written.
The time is 2h37
